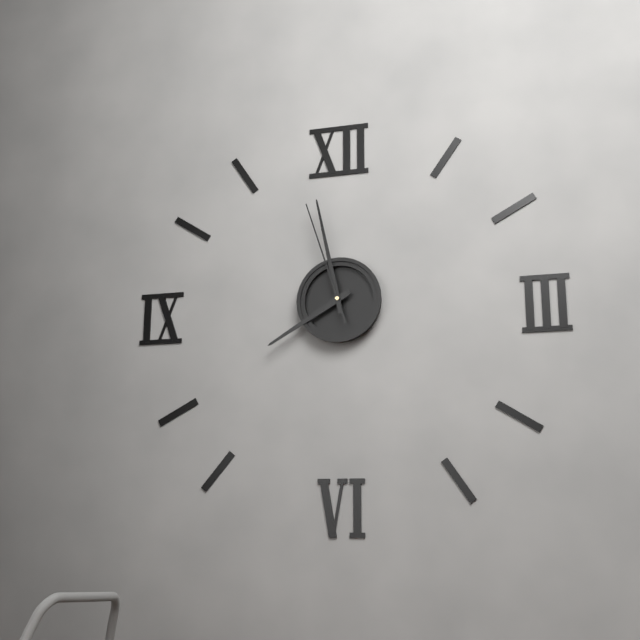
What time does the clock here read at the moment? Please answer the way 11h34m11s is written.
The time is 7h58m57s
